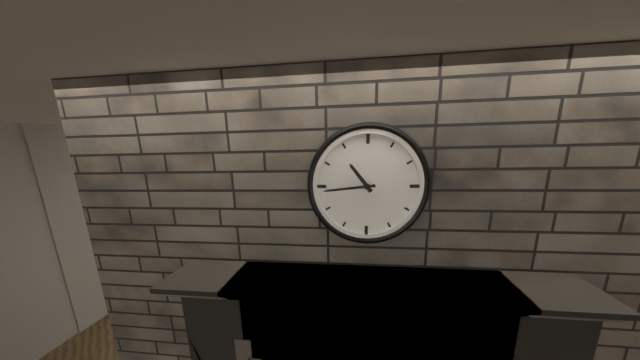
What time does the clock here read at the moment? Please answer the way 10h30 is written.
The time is 10h44
